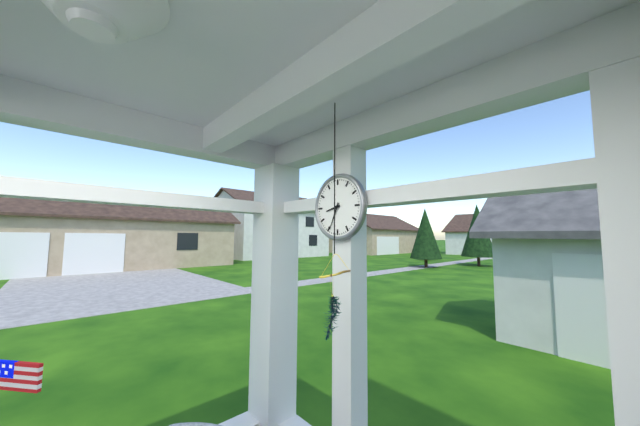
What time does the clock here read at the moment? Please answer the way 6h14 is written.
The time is 8h34
